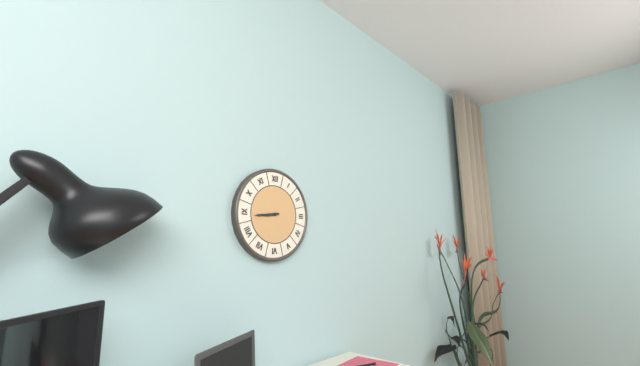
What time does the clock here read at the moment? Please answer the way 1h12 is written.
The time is 8h44
